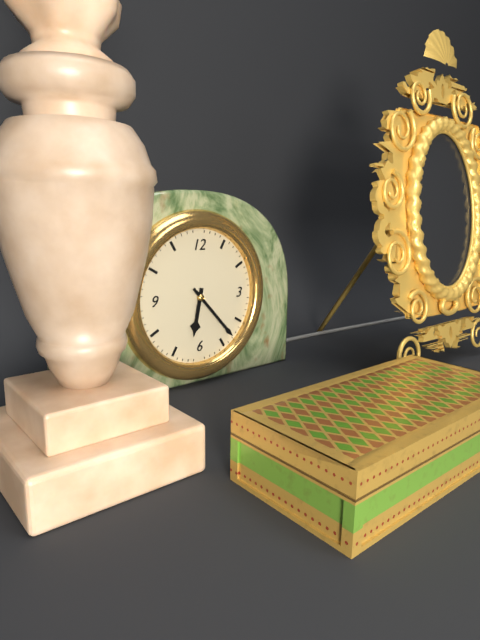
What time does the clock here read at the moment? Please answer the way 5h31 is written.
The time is 6h23
